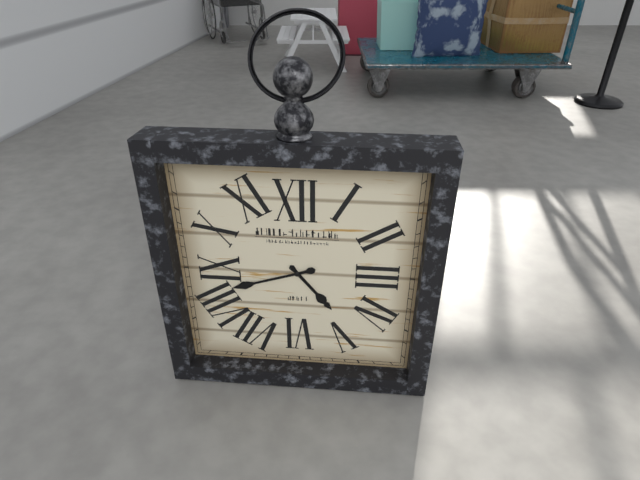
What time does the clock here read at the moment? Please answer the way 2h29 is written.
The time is 4h42
